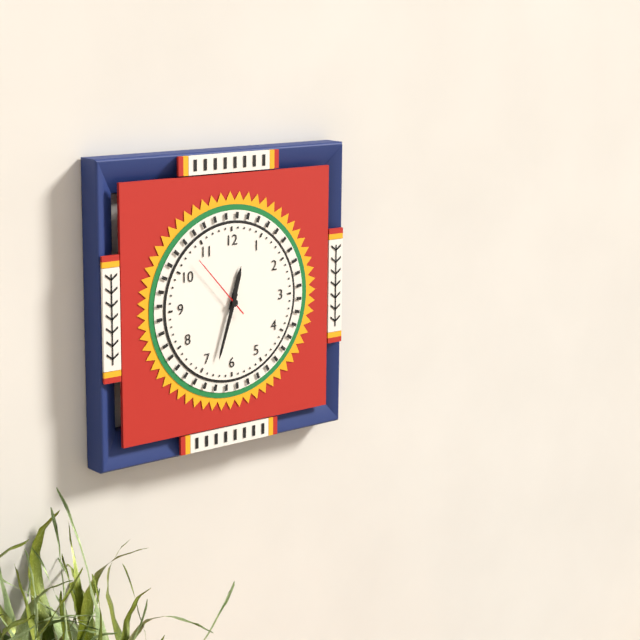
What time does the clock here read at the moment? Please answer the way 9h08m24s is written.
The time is 12h33m53s
